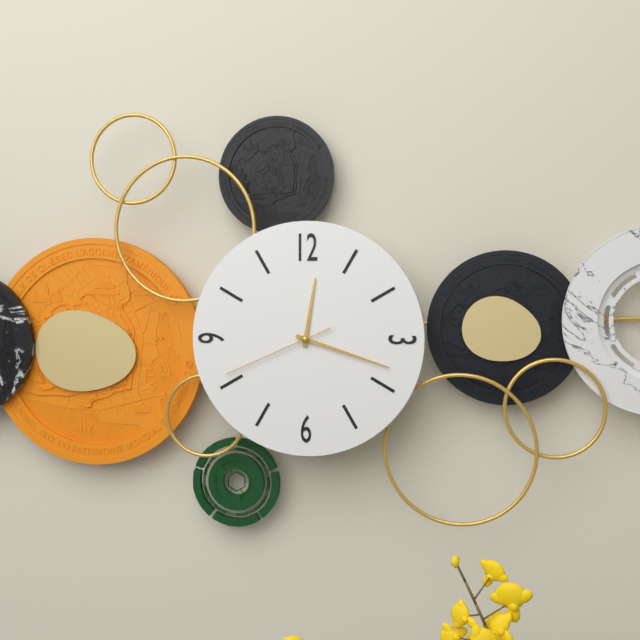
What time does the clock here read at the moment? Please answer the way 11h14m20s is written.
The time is 12h18m41s
